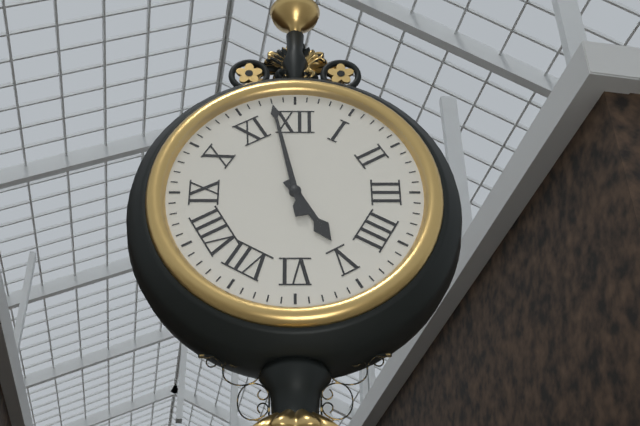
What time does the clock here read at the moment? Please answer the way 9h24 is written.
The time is 4h58
